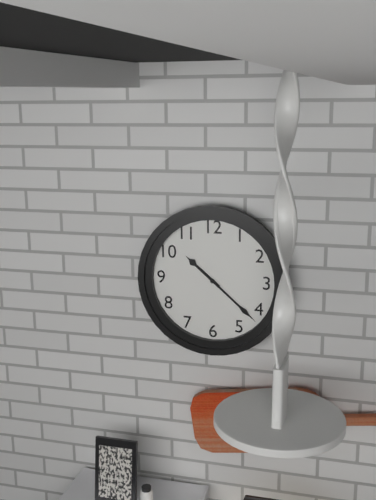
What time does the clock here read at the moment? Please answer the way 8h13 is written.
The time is 10h22
